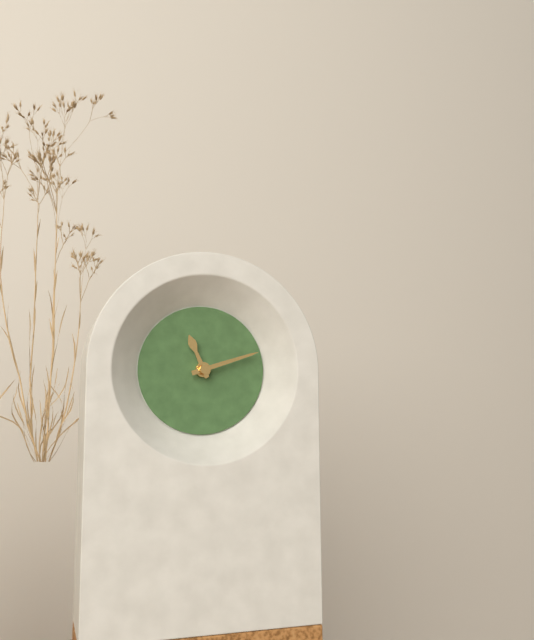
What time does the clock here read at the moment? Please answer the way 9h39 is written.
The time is 11h12
